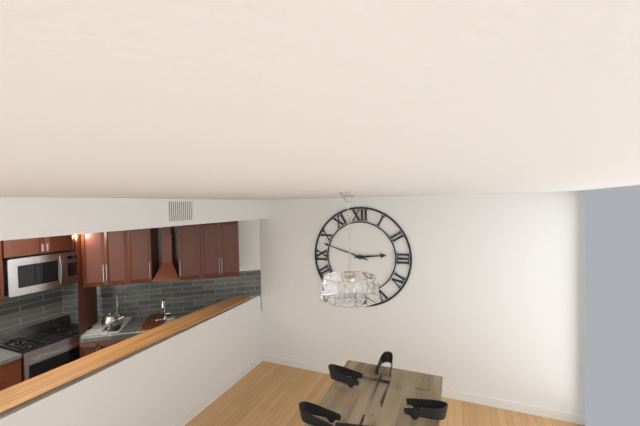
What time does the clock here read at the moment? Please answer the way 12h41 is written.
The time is 2h48
